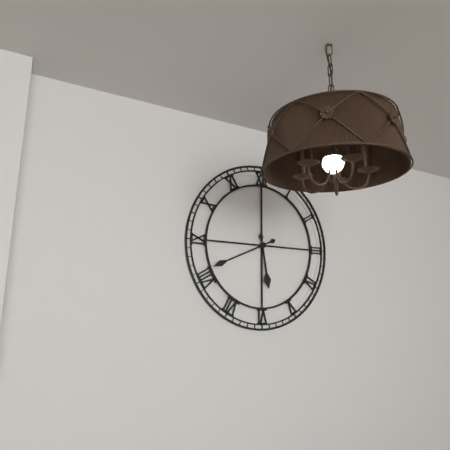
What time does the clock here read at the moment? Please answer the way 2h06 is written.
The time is 5h41
